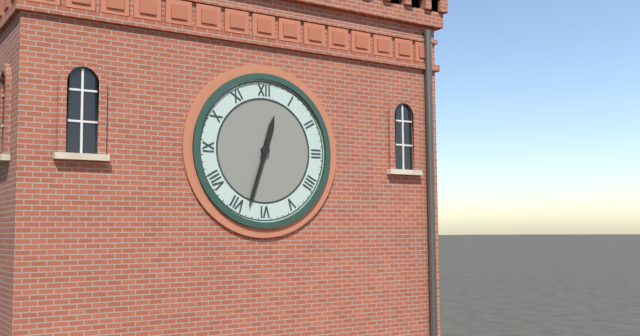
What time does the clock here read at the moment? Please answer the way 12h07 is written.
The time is 12h33
